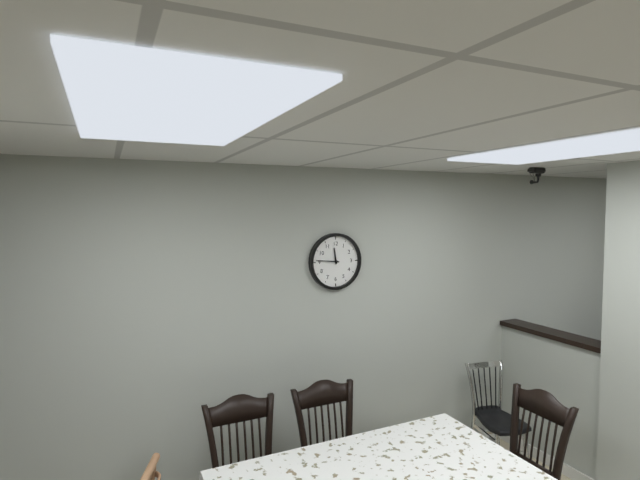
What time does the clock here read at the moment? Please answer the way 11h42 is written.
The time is 11h46
